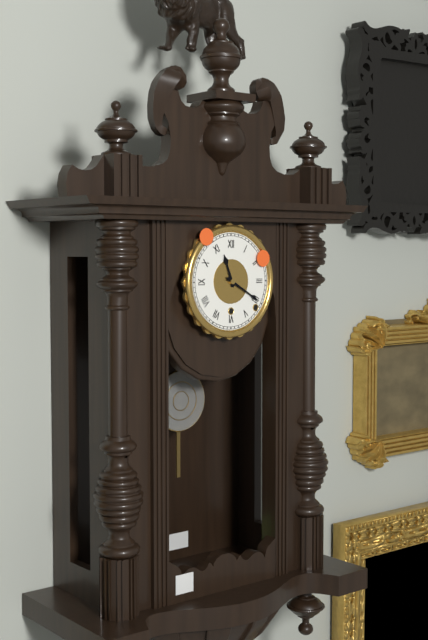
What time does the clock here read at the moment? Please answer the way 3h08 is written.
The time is 11h20
